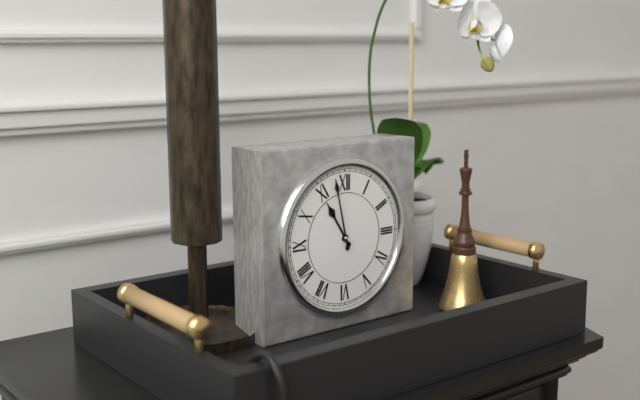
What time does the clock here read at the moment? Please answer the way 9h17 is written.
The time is 10h58
